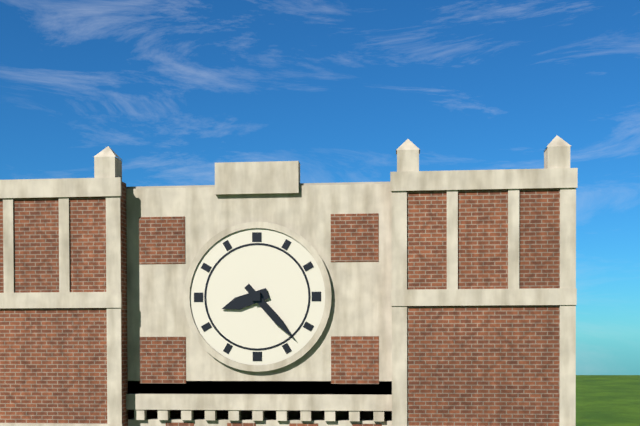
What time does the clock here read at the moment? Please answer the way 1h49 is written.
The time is 8h23
